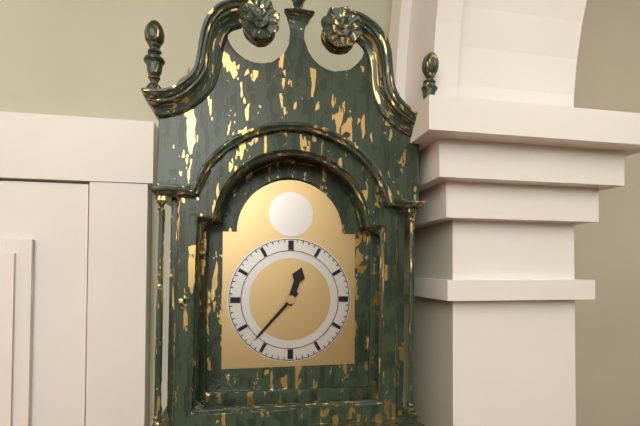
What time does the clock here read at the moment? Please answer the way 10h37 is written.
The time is 12h37
